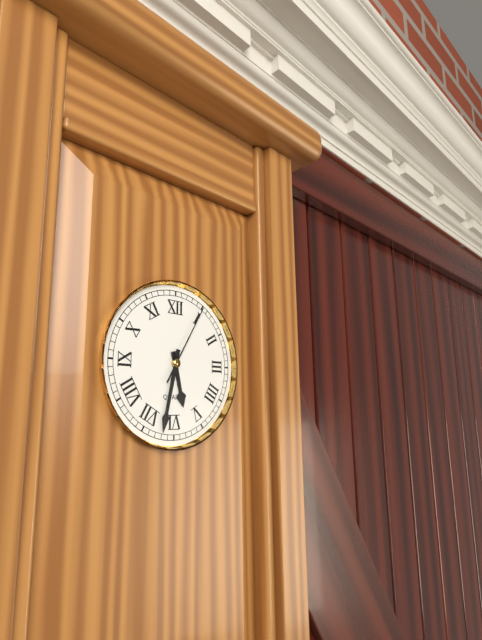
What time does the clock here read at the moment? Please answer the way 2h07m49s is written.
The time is 5h32m05s
